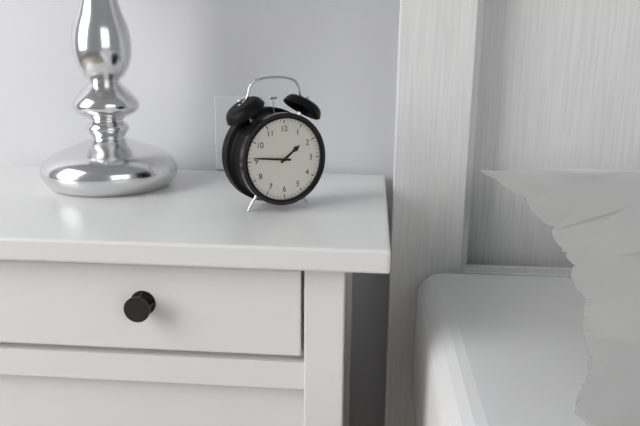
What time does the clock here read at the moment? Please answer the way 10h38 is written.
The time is 1h46
